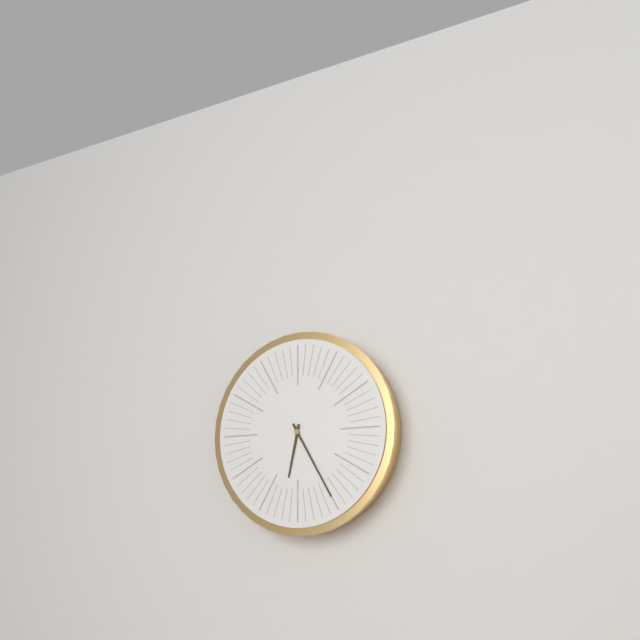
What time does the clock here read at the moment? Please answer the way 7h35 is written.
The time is 6h25
